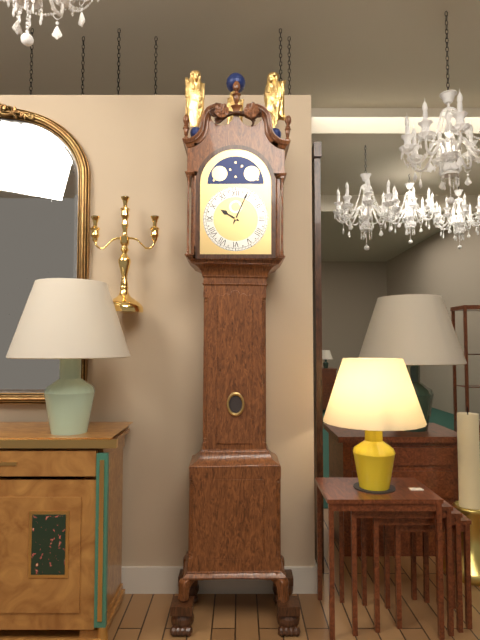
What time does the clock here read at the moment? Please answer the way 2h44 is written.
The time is 10h04
